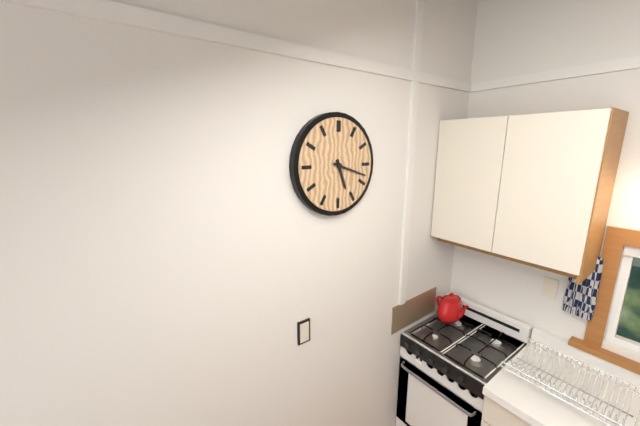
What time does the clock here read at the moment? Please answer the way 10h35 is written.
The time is 5h18
